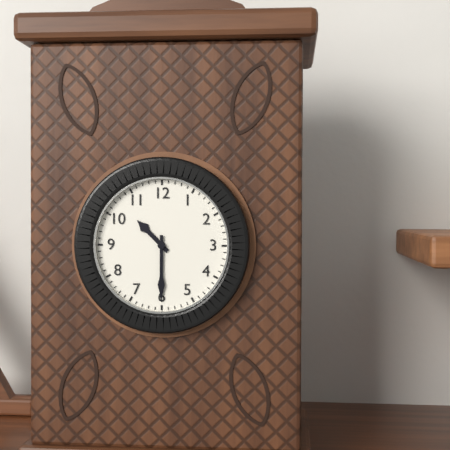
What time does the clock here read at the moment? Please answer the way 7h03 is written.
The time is 10h30
